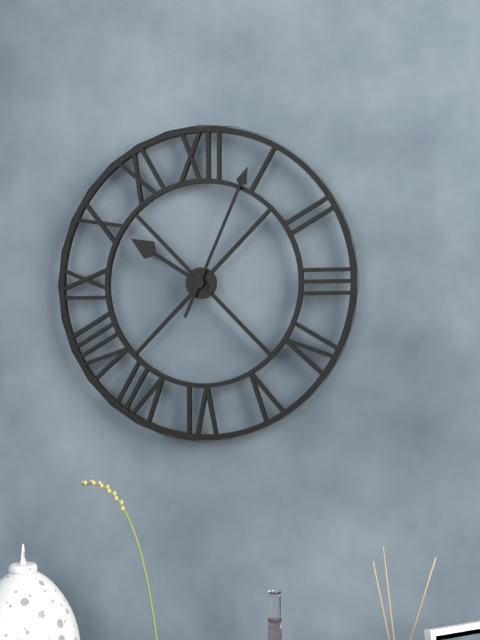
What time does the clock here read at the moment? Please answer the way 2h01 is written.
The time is 10h04
